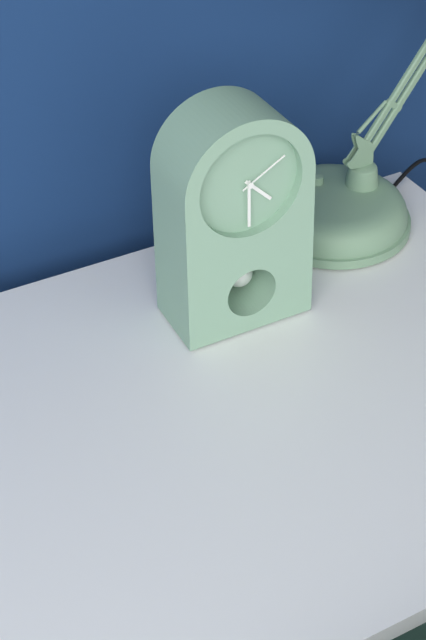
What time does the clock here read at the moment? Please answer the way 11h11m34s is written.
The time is 4h30m10s
